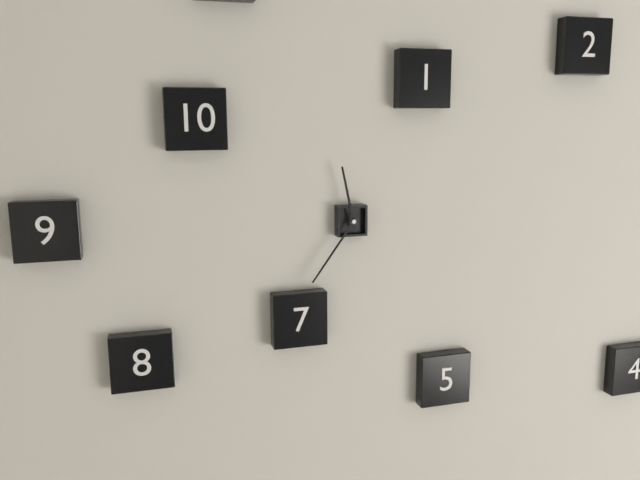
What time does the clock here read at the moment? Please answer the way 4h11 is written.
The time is 11h36
